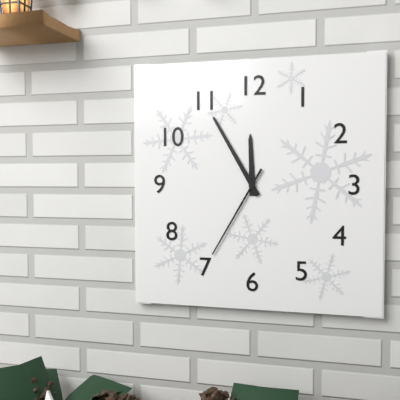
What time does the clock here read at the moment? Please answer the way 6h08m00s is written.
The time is 11h55m35s
